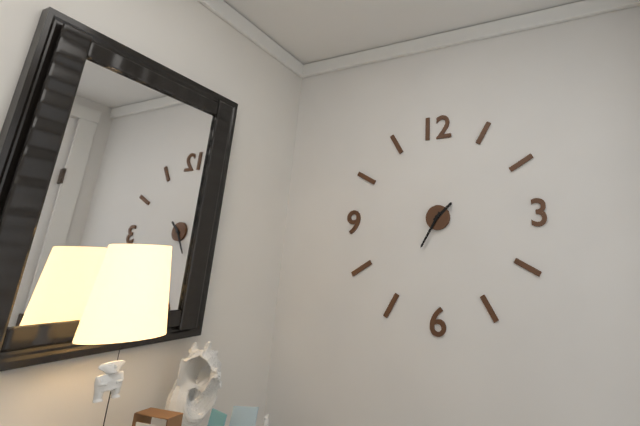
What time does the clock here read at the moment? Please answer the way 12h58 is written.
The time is 1h35
